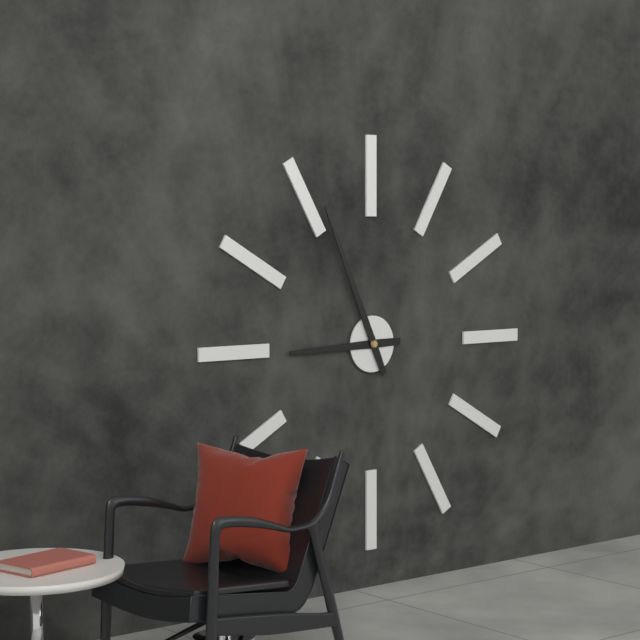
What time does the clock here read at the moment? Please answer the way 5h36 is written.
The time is 8h56
